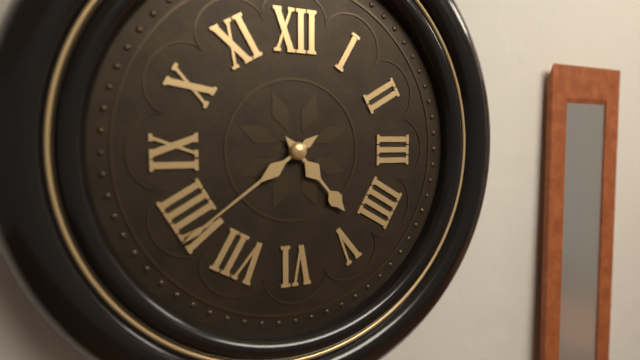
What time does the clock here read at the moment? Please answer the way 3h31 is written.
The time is 4h39
